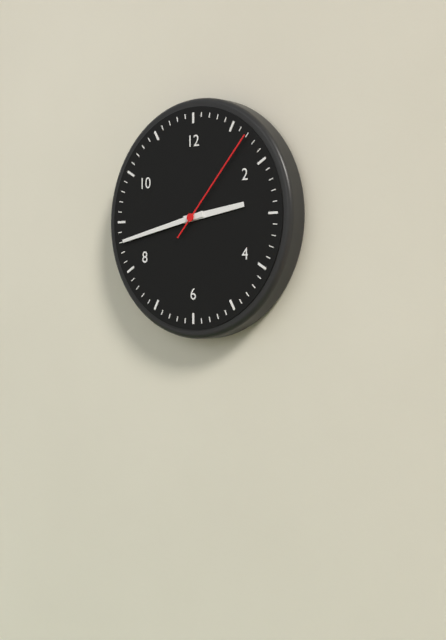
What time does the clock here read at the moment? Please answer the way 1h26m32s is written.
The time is 2h43m07s
